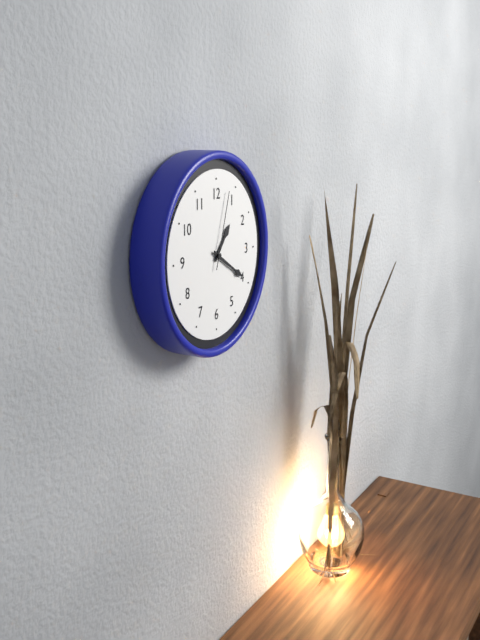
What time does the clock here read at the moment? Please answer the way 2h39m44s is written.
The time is 1h20m03s
